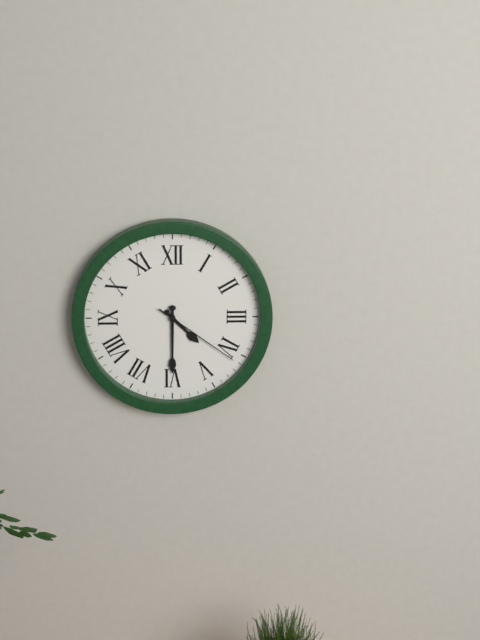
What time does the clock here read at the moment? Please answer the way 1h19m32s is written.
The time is 4h30m21s
